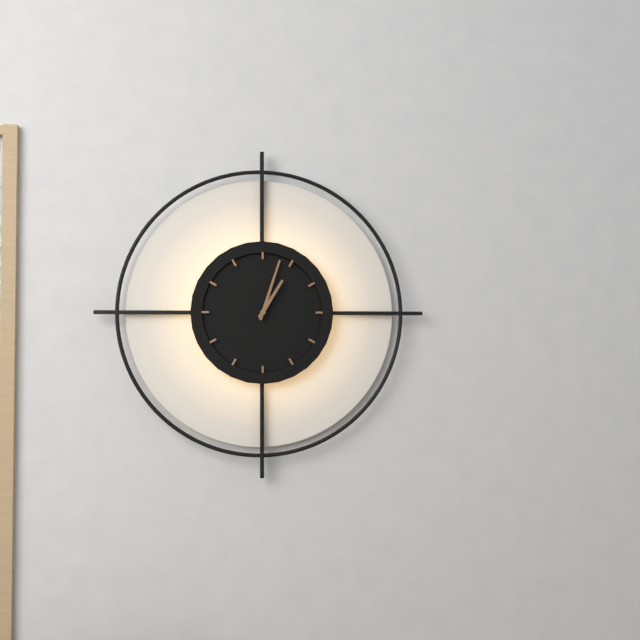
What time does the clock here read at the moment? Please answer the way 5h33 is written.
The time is 1h03
